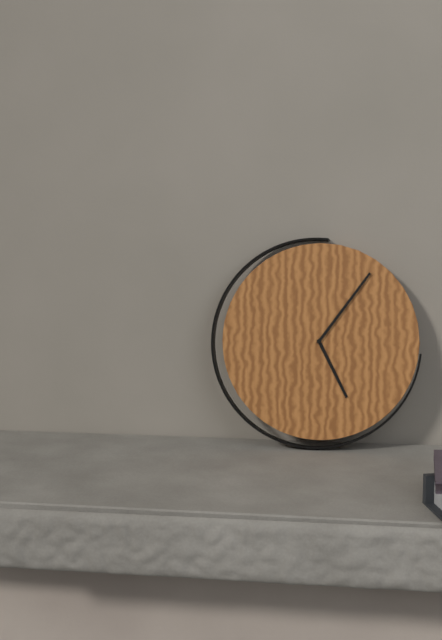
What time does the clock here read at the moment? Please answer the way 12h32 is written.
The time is 5h06
